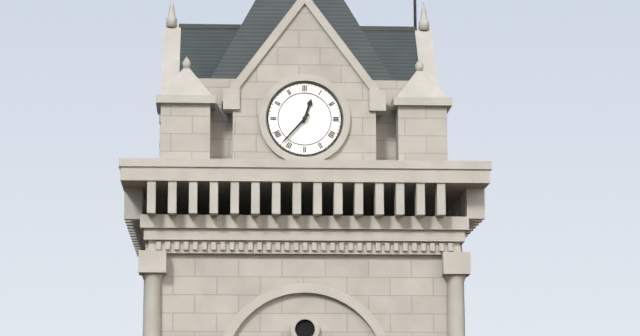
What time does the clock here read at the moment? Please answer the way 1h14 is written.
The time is 12h37
